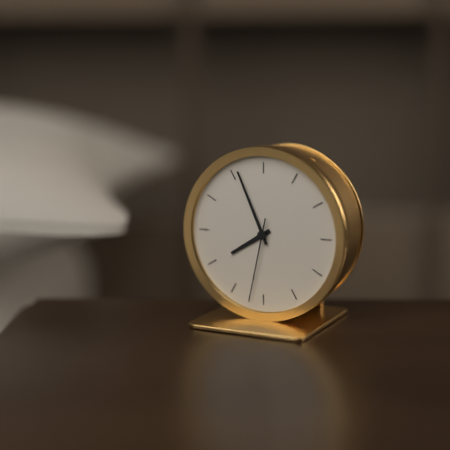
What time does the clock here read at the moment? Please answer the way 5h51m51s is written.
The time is 7h56m32s
